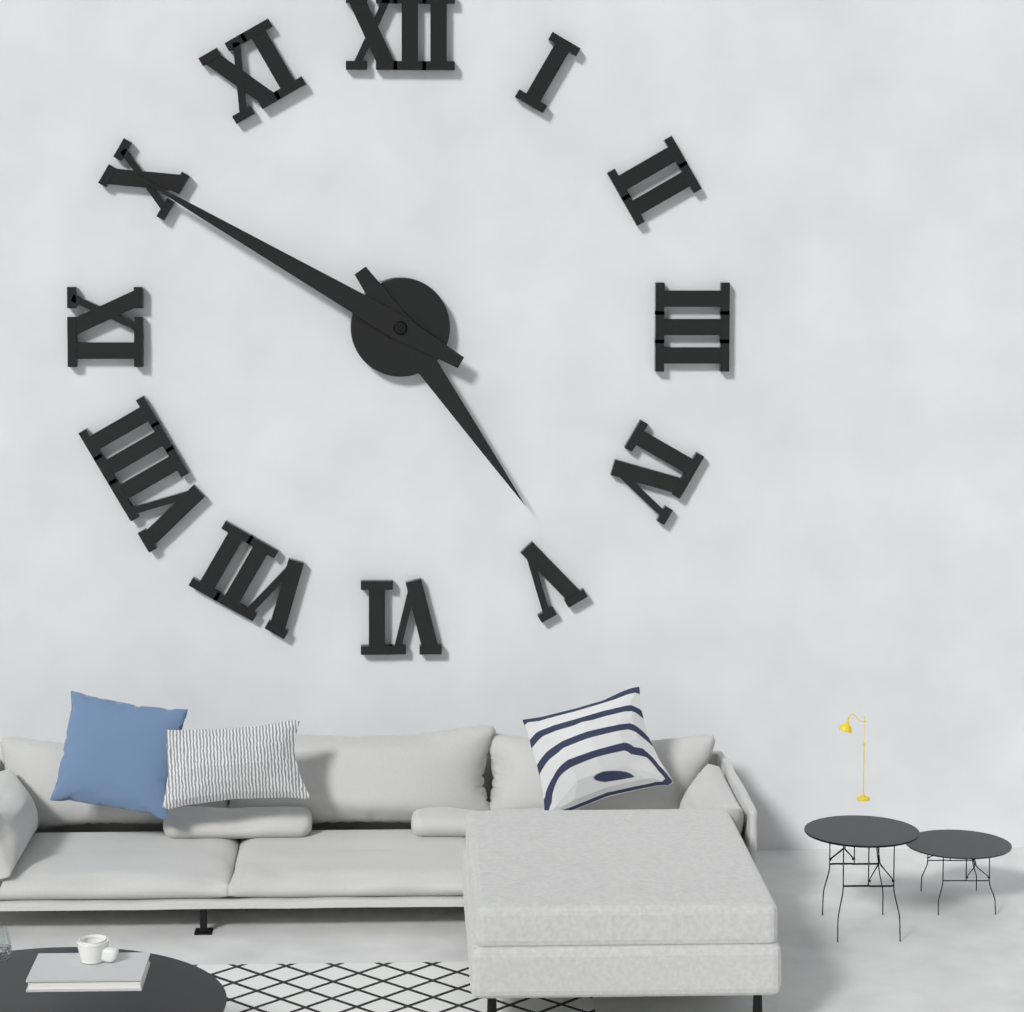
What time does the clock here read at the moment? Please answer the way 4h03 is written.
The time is 4h50
